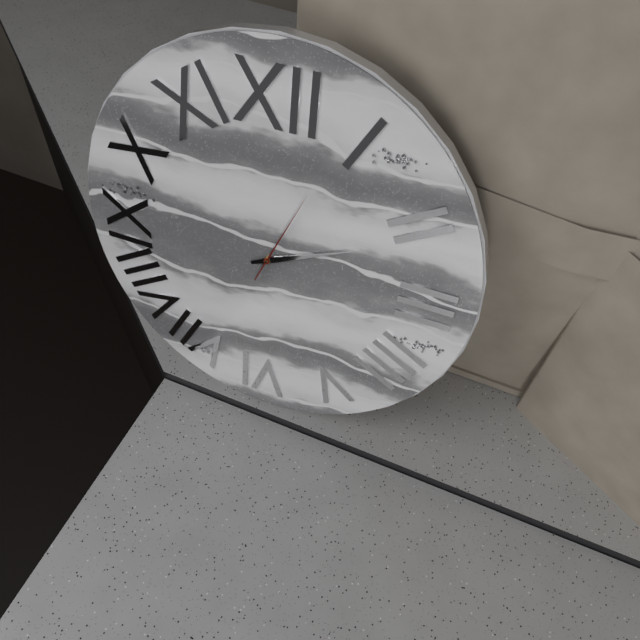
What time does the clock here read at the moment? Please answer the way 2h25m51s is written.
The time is 2h11m04s
